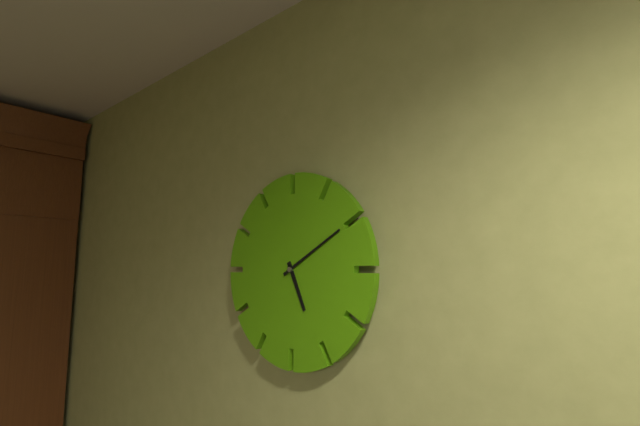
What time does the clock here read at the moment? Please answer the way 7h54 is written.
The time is 5h10
